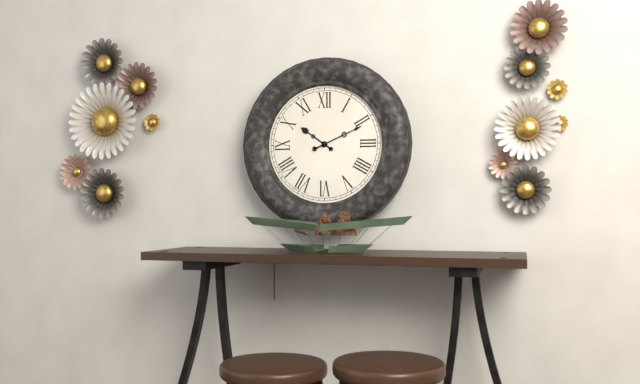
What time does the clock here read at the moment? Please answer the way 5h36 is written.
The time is 10h11
